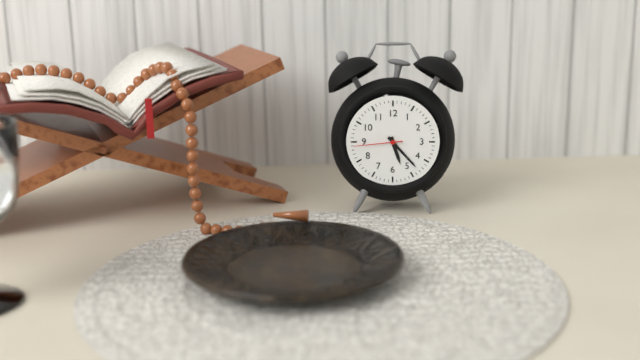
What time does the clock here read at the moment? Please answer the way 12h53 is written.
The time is 5h23
